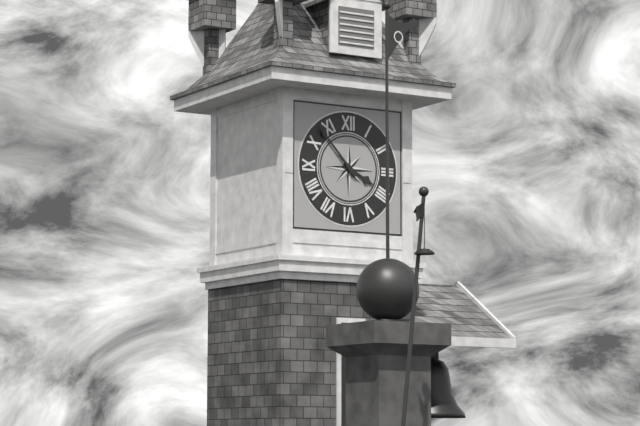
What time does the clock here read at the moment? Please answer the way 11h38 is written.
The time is 3h53
